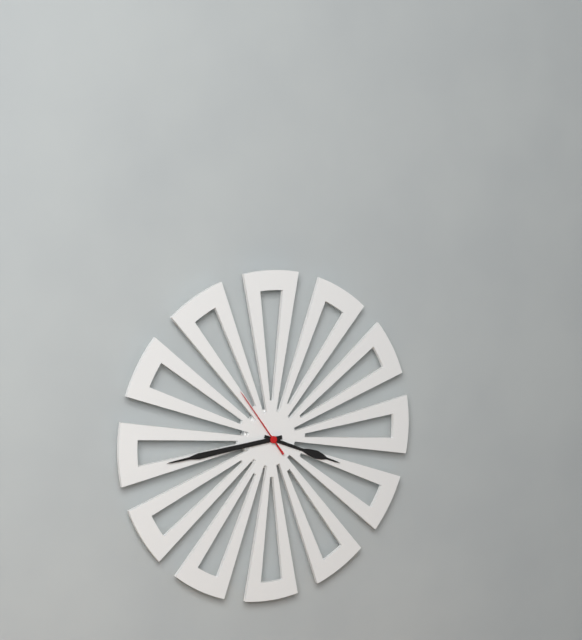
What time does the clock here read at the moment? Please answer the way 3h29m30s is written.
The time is 3h44m54s
